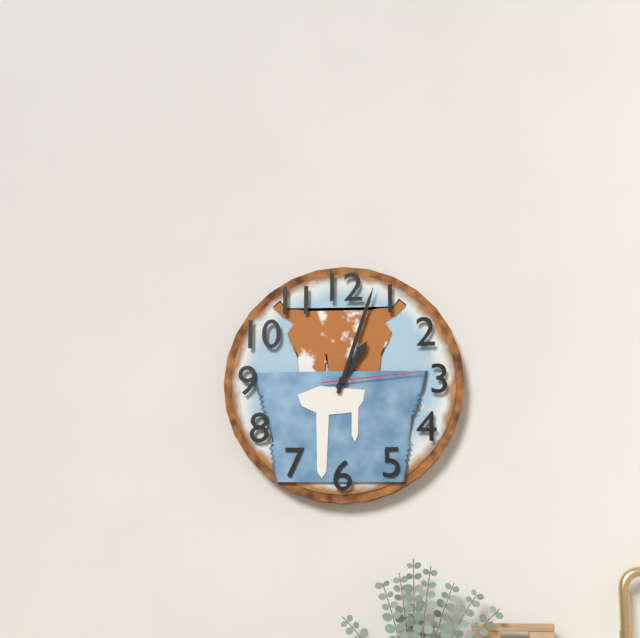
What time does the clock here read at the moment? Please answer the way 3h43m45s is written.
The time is 1h03m14s
